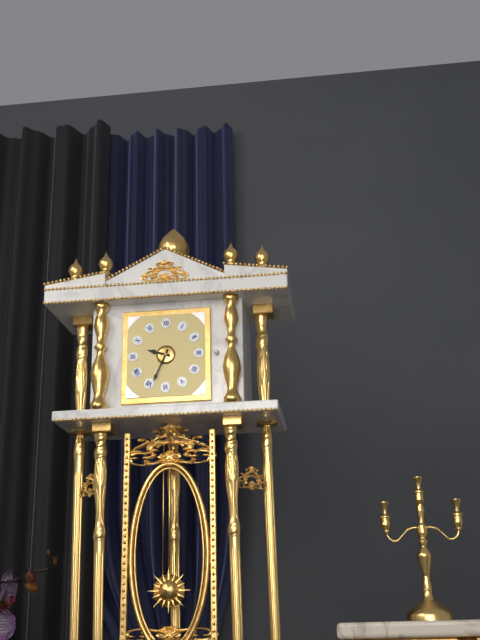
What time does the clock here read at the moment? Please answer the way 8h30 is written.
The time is 9h34
